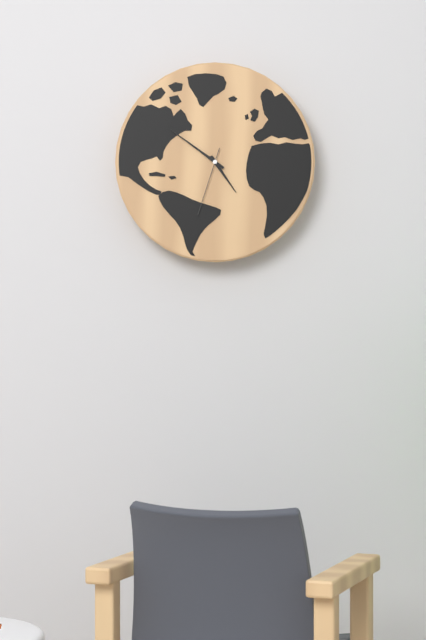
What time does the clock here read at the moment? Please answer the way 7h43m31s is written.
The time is 4h51m33s
